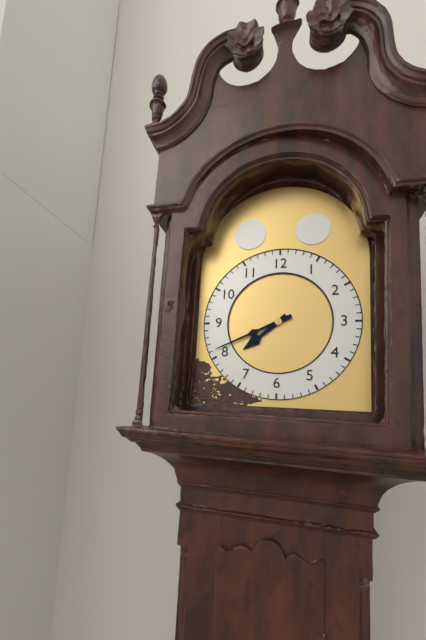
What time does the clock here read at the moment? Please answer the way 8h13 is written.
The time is 7h41
